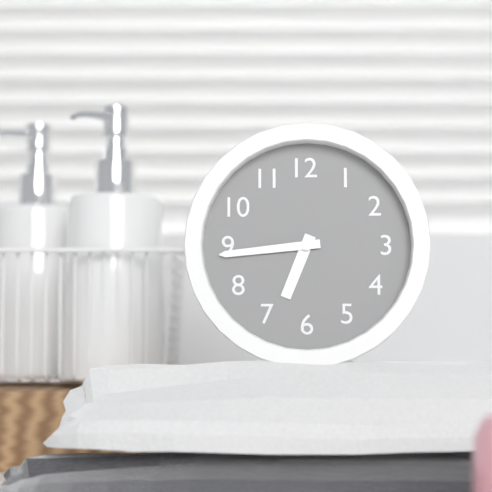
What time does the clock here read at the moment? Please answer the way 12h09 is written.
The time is 6h44
